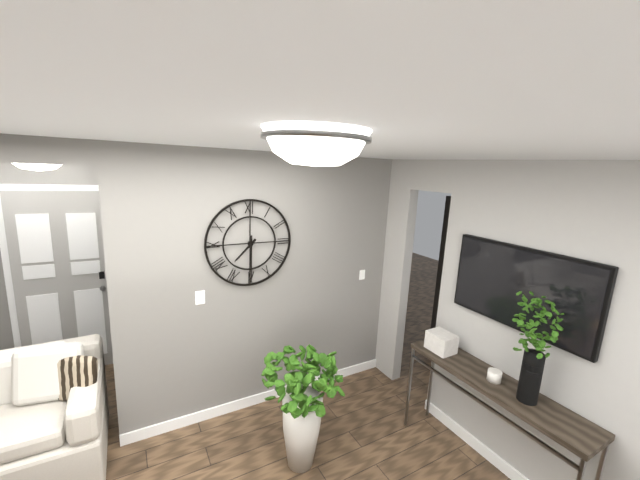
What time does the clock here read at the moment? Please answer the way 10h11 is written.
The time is 7h30
